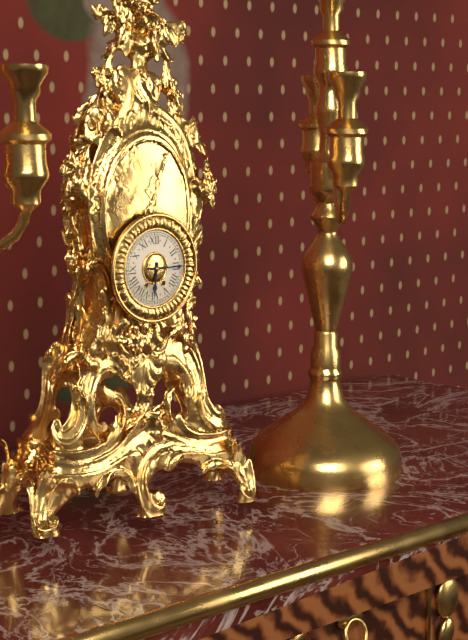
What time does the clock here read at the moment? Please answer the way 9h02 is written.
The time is 6h15
